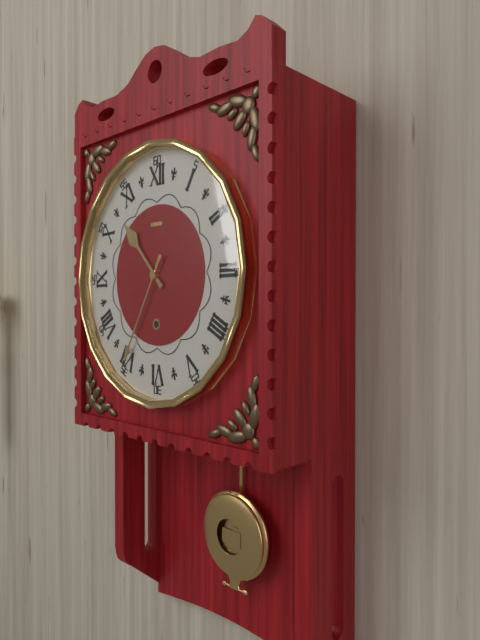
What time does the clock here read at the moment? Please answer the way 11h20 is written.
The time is 10h35
